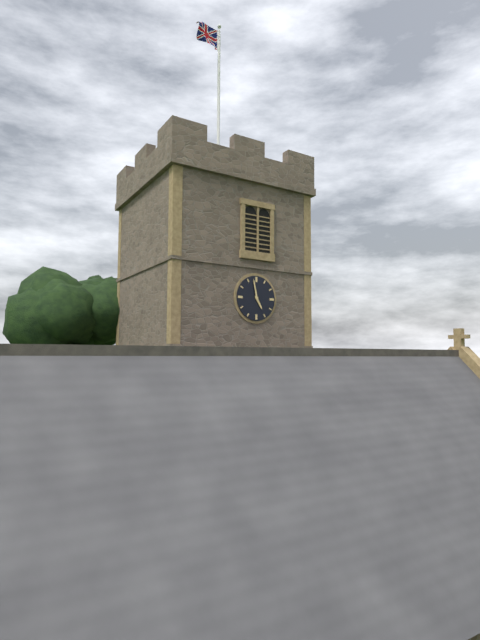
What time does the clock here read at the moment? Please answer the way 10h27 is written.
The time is 4h58
